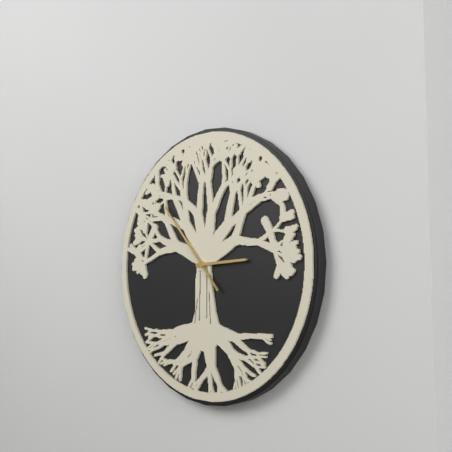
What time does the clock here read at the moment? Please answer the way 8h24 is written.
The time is 2h53
